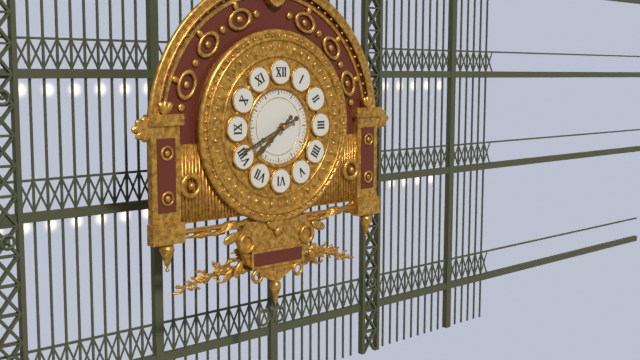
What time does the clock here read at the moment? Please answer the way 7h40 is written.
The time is 7h41
